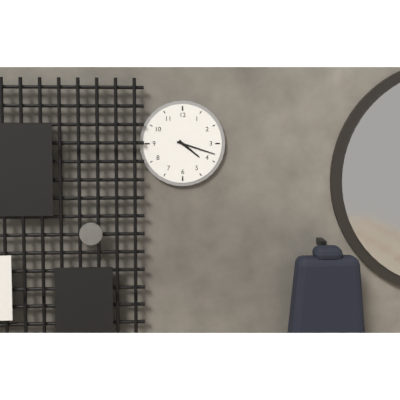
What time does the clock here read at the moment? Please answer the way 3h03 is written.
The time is 4h18
